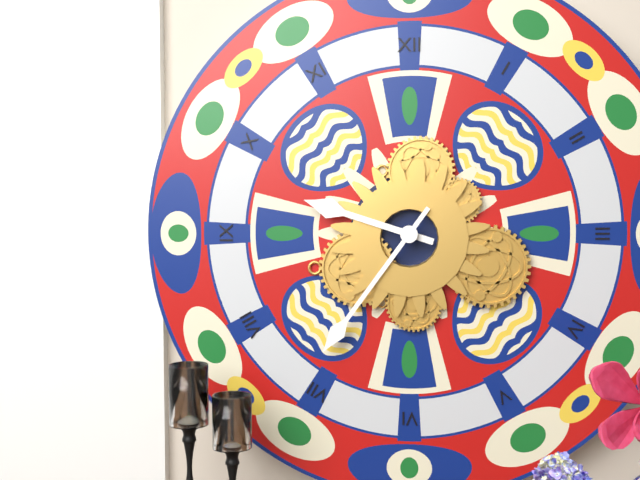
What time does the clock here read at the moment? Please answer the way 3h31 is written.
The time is 9h36
